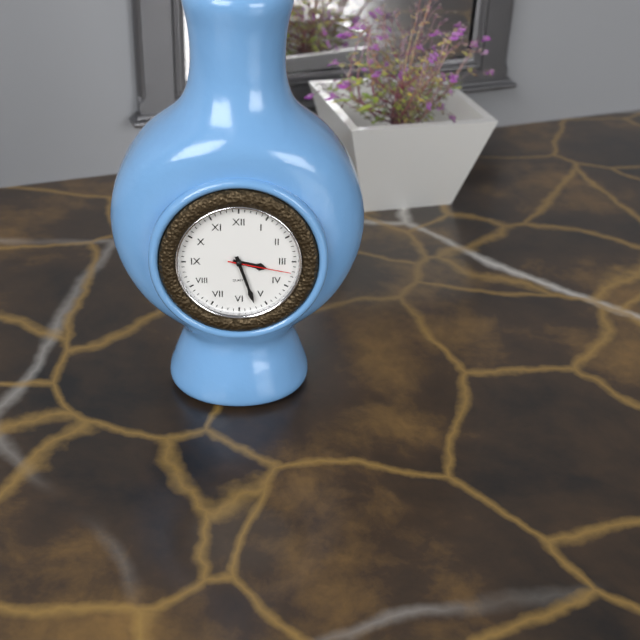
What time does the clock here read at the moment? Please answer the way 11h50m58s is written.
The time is 3h27m17s
